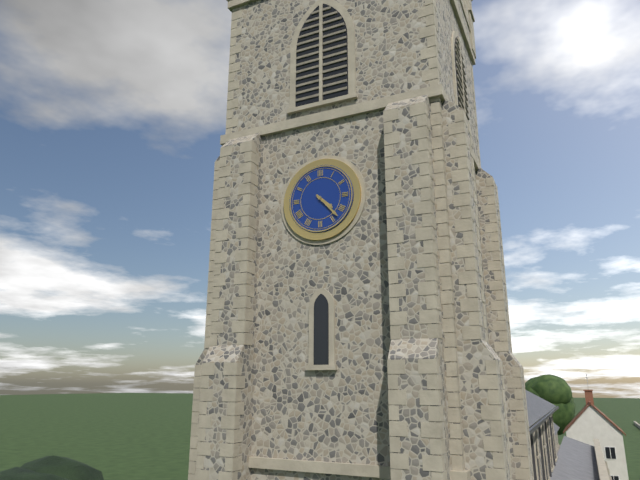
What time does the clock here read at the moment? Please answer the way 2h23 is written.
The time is 4h23
